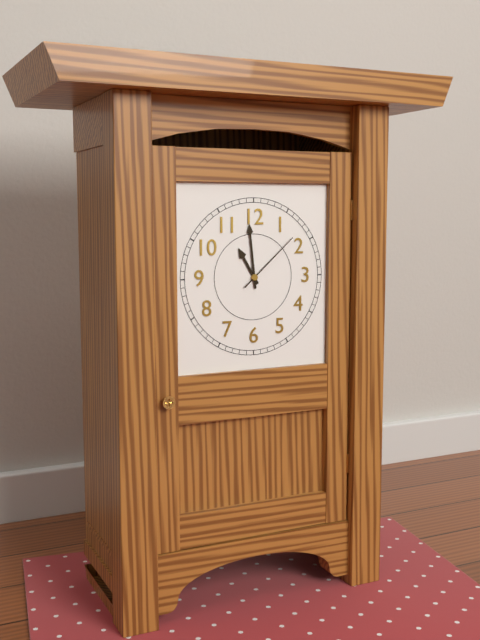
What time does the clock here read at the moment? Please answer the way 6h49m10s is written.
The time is 10h59m08s
